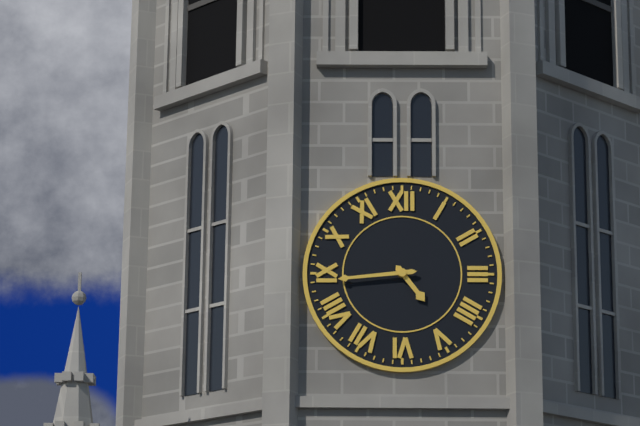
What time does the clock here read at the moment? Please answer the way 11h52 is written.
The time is 4h44
